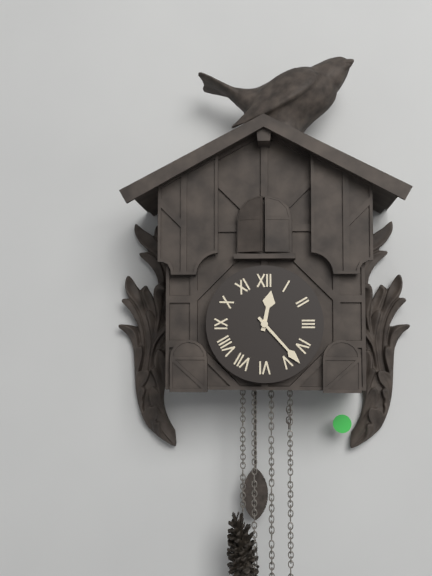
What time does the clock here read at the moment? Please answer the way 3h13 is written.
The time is 12h23
